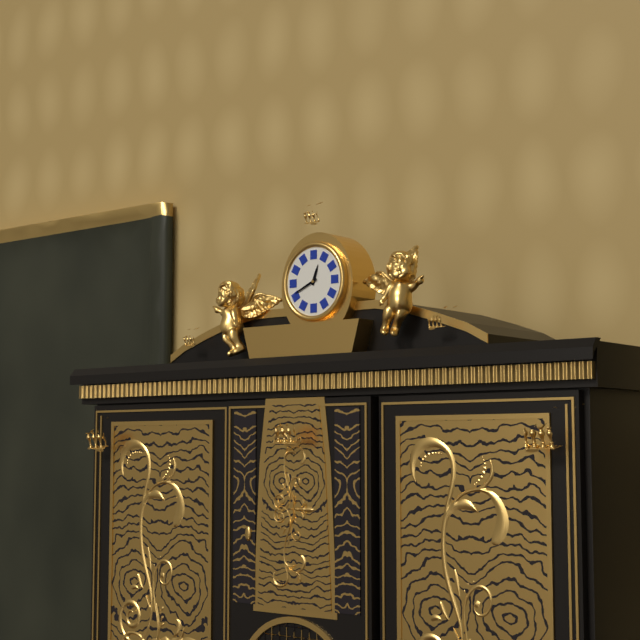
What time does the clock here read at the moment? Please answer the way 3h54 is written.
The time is 12h41
